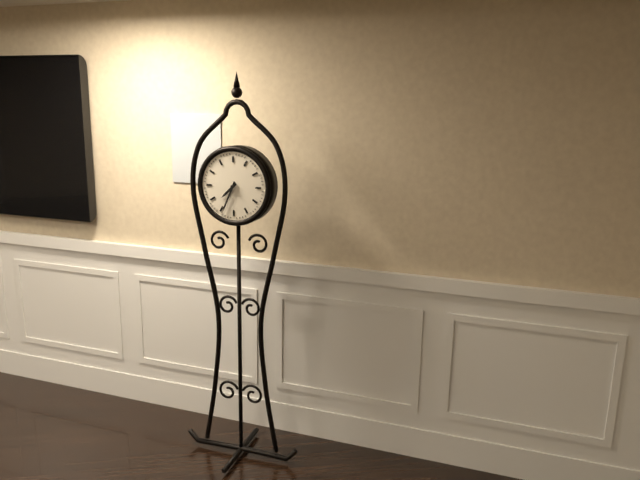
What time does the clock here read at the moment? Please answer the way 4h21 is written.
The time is 7h34
